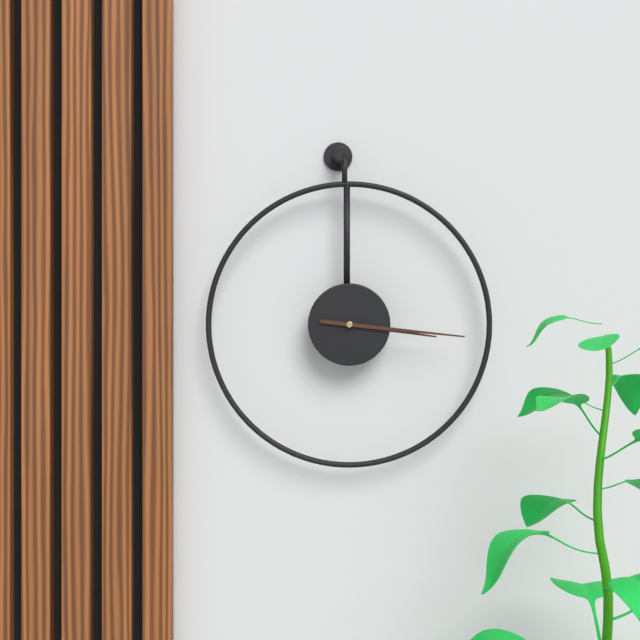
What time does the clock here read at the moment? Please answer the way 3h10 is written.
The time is 3h16
